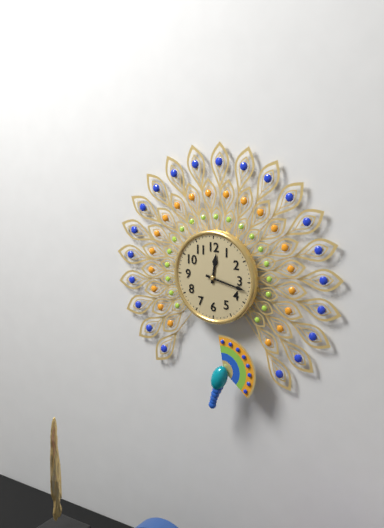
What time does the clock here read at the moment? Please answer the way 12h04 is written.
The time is 12h17
